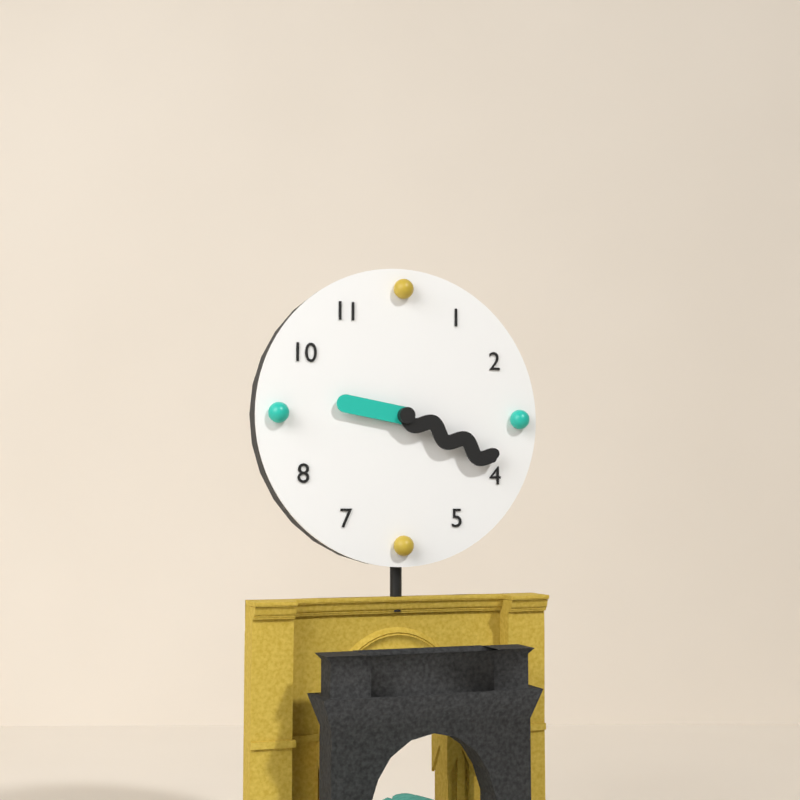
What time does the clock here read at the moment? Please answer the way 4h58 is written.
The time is 9h19
